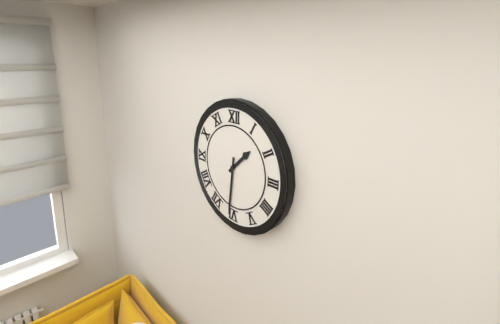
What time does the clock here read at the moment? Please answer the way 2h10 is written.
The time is 1h31
